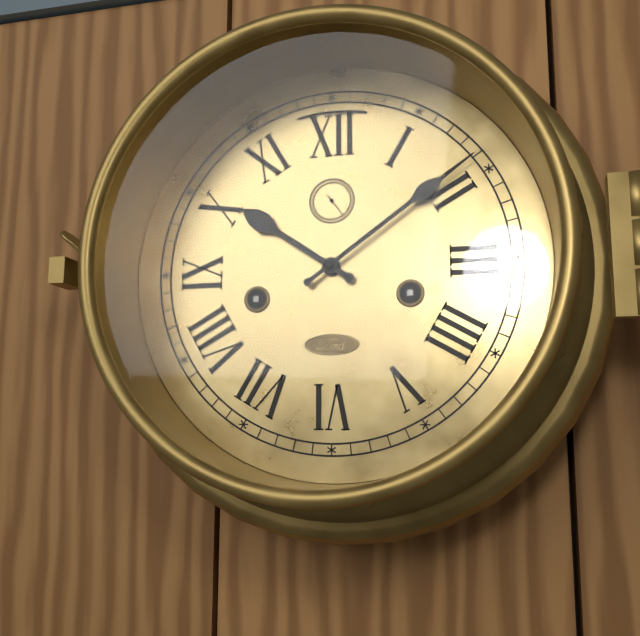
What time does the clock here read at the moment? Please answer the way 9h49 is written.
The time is 10h09
